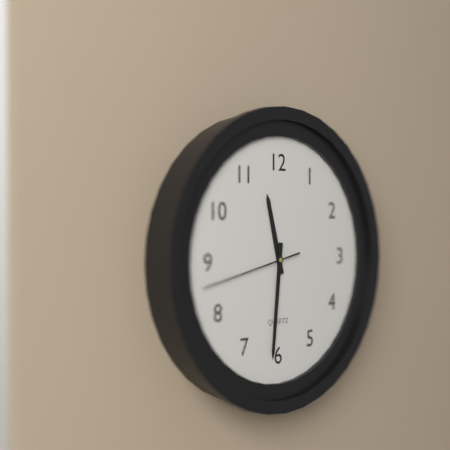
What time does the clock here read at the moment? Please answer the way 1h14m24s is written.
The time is 11h31m43s
